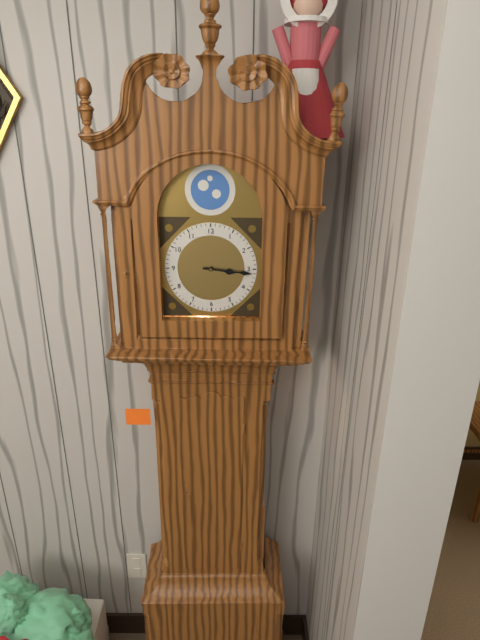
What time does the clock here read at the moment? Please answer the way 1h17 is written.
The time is 3h16
